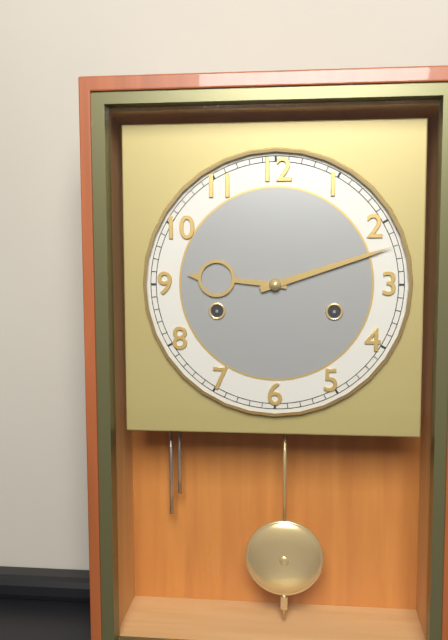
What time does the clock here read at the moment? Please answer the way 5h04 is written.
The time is 9h12
